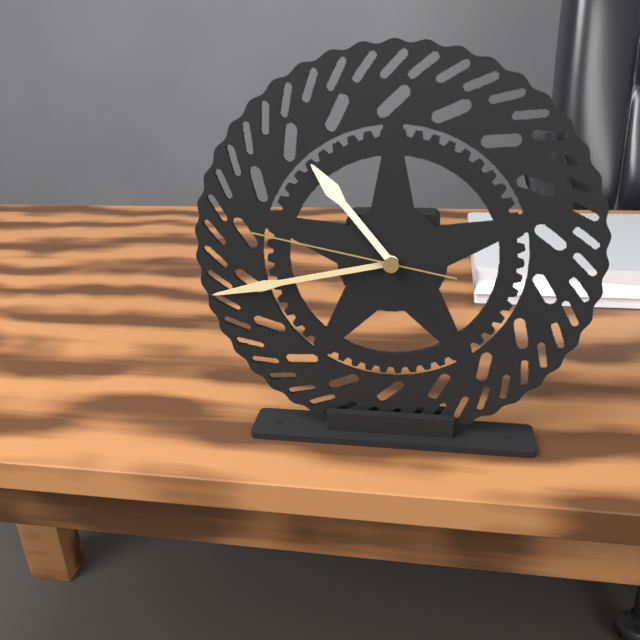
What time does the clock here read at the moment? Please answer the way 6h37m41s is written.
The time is 10h43m47s
